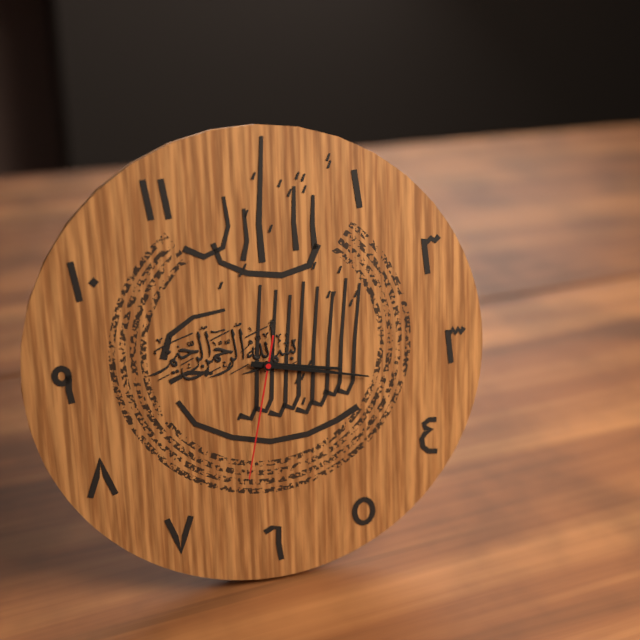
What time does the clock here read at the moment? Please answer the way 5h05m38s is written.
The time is 3h17m32s
